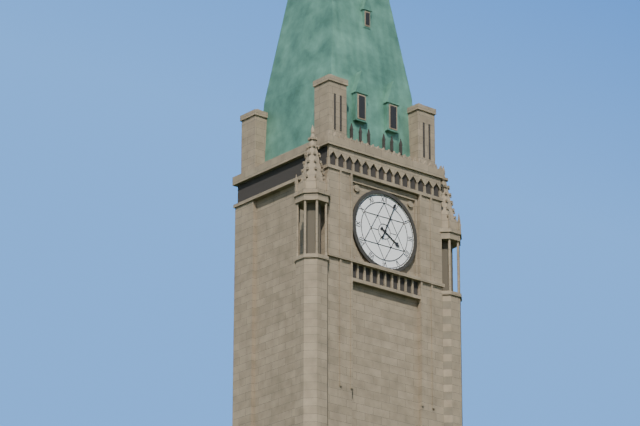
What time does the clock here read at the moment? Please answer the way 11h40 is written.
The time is 4h04
